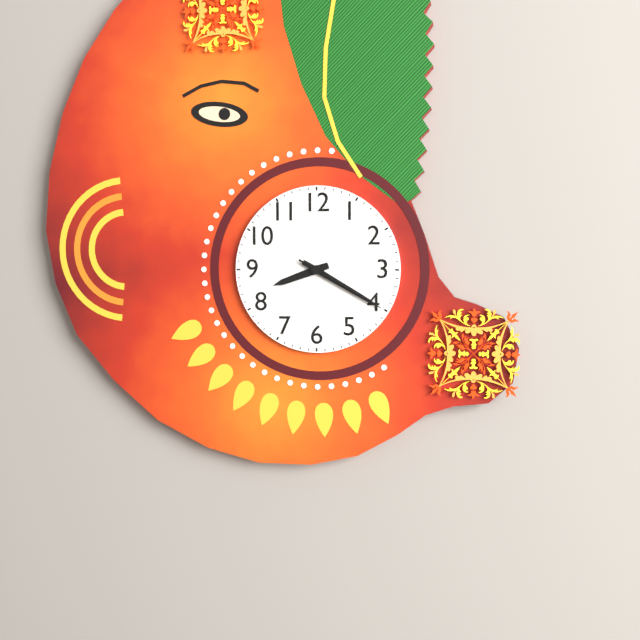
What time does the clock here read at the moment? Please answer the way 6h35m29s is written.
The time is 8h20m20s
